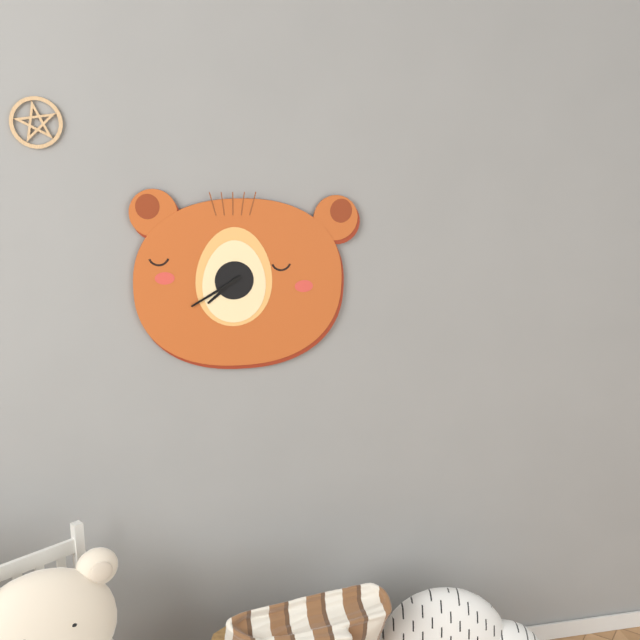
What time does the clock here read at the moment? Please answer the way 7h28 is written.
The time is 7h40
